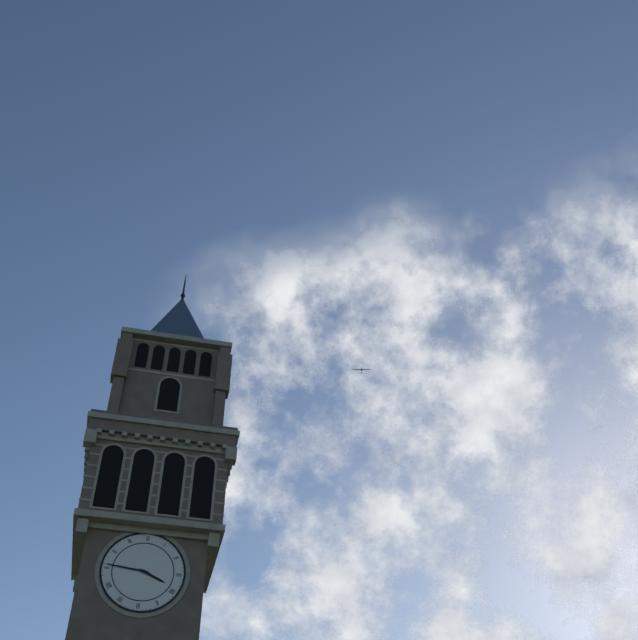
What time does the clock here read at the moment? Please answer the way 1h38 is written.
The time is 3h46
